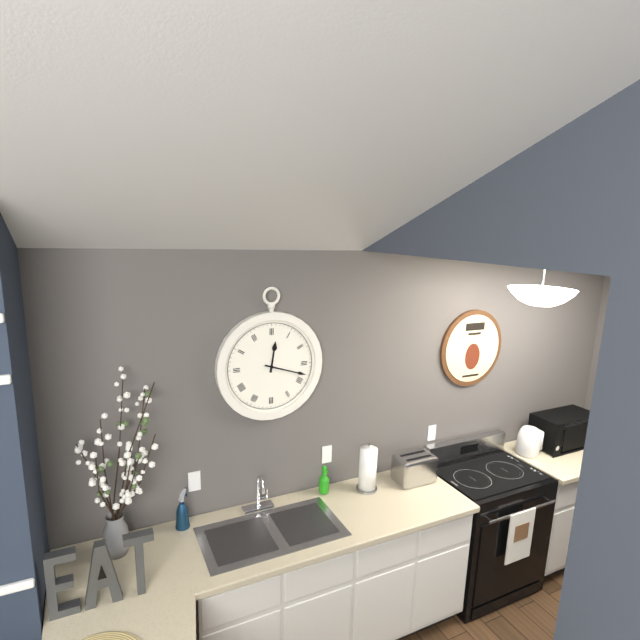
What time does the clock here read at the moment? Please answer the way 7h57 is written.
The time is 12h18
